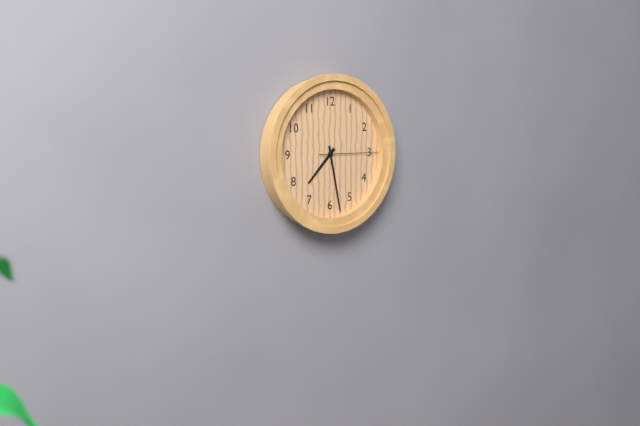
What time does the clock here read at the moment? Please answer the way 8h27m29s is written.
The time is 7h28m15s
